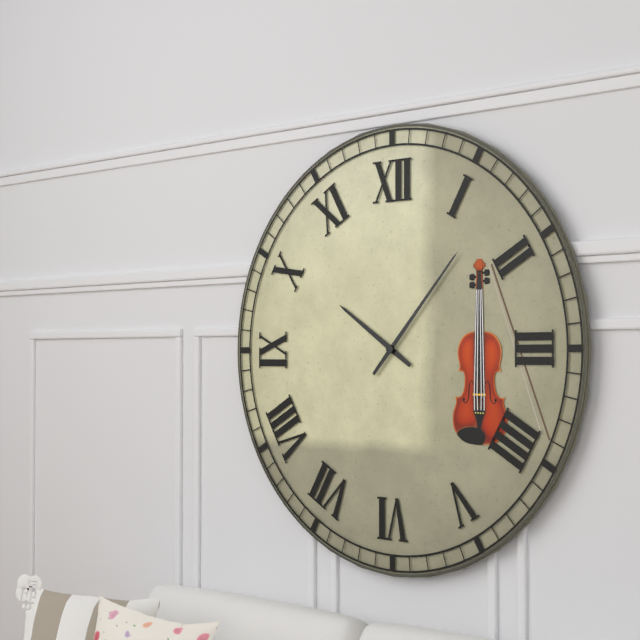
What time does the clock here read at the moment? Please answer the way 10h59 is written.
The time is 10h07
